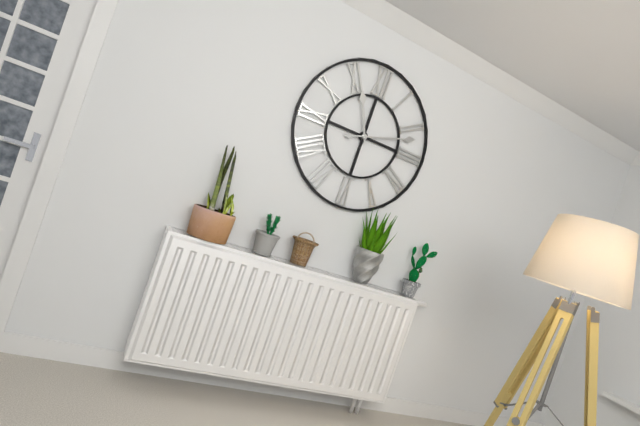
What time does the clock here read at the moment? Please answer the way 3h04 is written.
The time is 11h12
